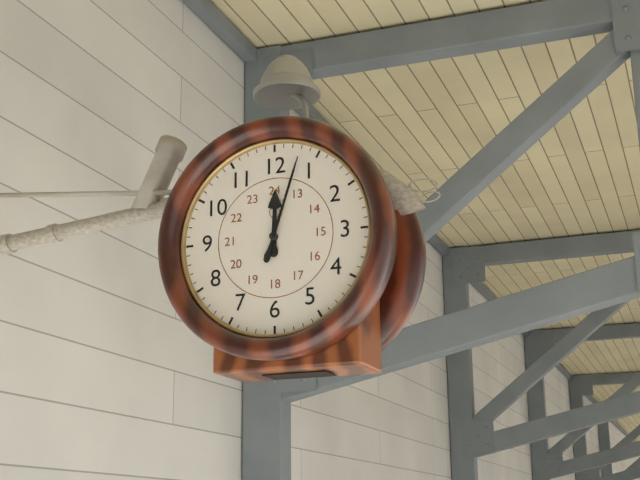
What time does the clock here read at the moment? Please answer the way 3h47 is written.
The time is 12h03
